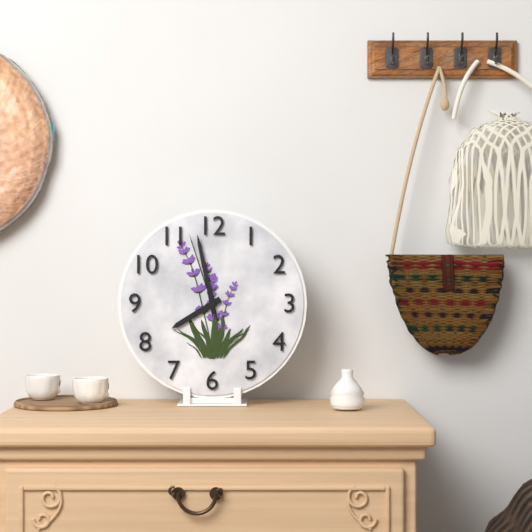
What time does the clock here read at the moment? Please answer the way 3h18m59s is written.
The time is 7h58m57s
